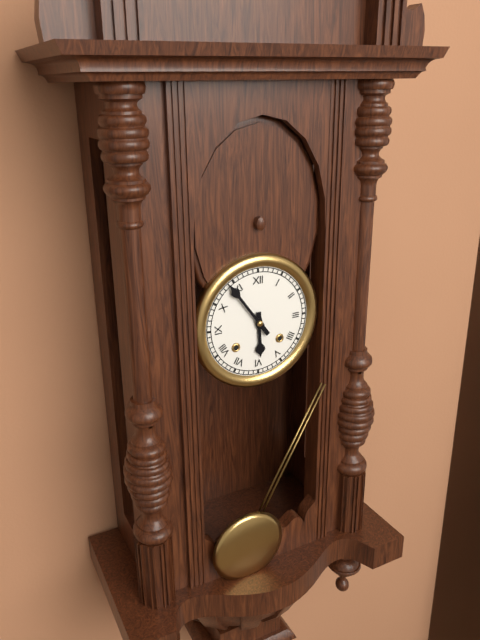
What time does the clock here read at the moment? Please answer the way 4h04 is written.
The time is 5h54
